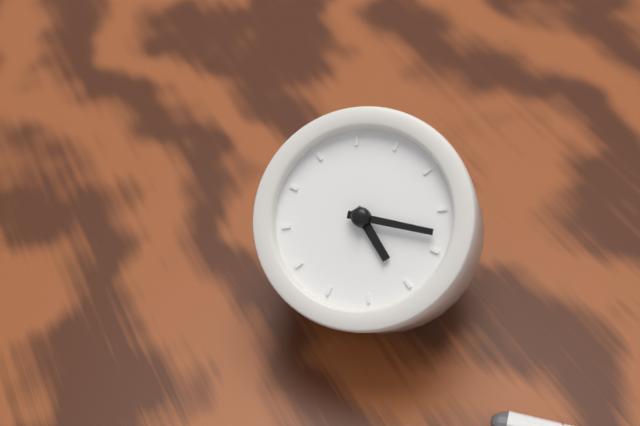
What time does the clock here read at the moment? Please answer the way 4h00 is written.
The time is 3h08
